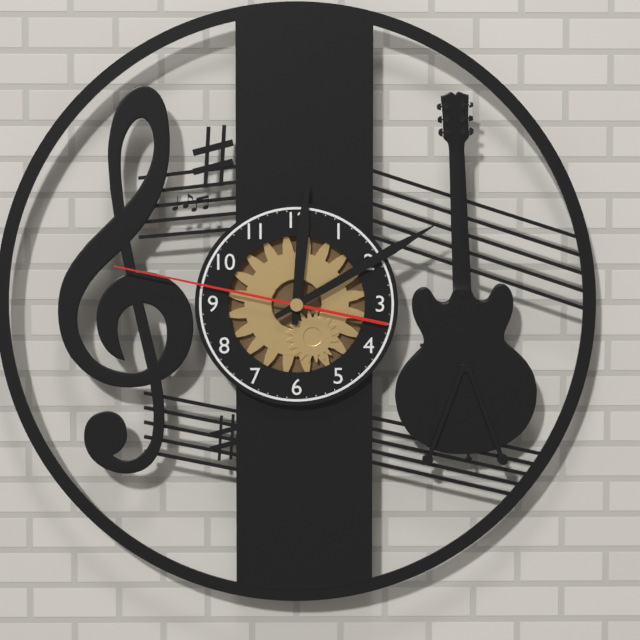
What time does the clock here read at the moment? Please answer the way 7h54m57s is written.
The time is 12h10m47s
